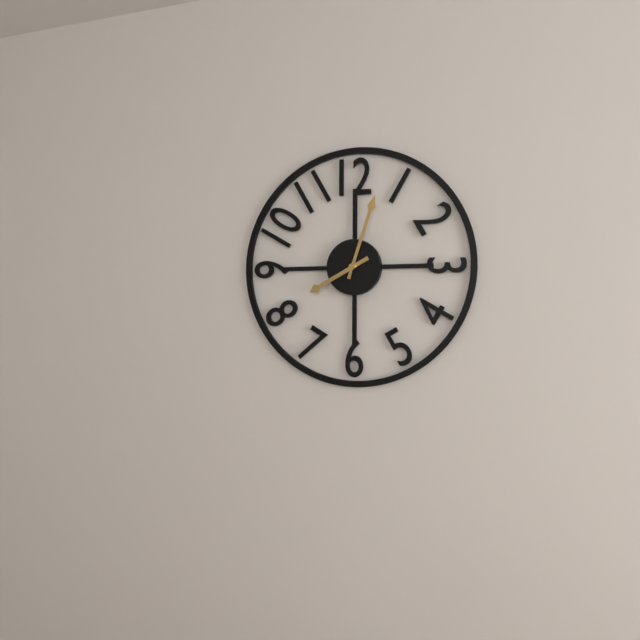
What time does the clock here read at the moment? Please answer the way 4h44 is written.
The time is 8h03
